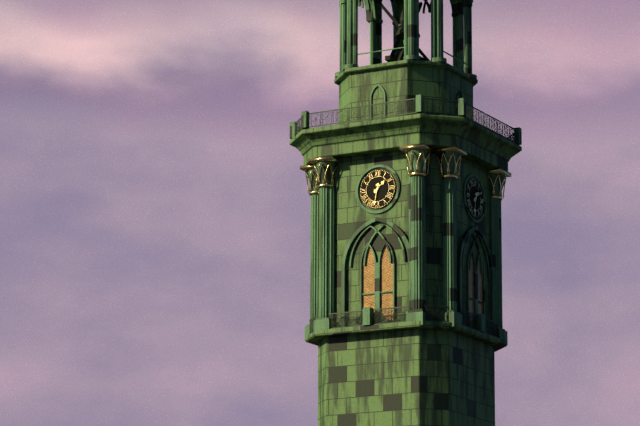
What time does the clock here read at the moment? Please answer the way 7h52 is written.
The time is 1h32
